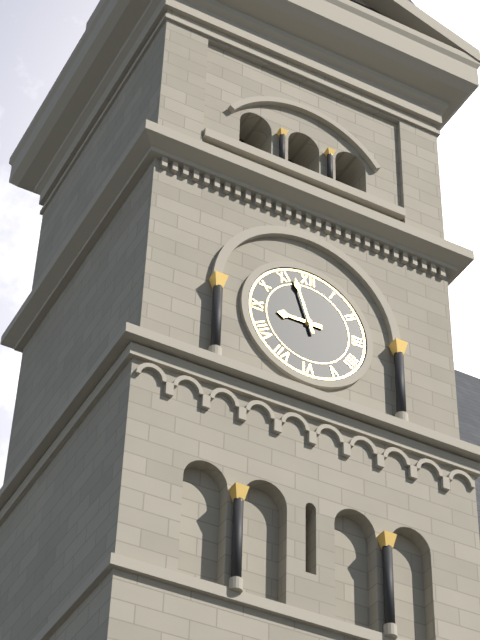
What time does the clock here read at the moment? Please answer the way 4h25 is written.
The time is 8h57
